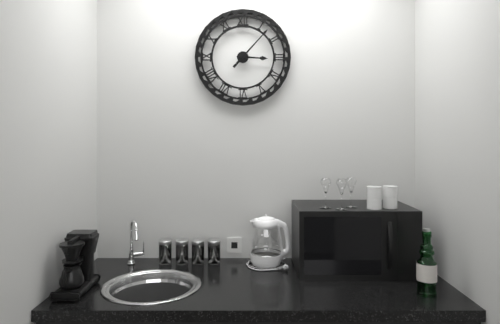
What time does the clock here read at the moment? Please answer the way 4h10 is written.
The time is 3h07
